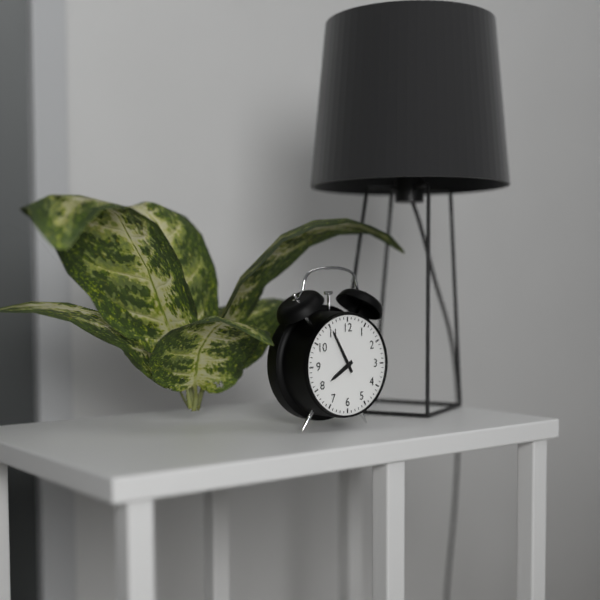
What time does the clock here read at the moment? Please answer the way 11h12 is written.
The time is 7h55
